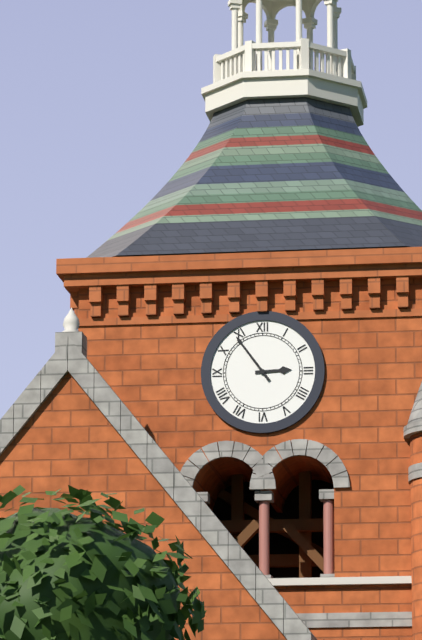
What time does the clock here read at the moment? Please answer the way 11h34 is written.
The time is 2h54
